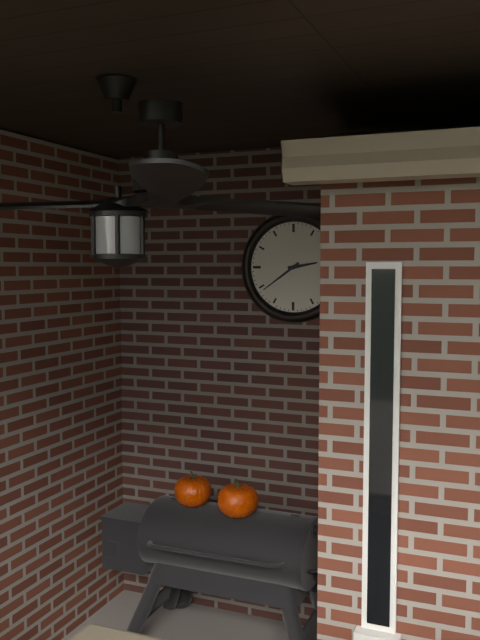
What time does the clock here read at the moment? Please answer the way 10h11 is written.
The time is 2h39
